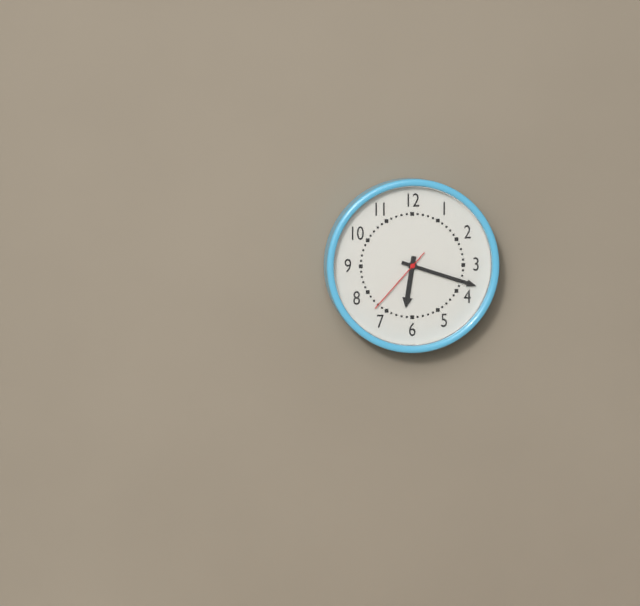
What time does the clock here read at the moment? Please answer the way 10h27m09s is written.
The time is 6h18m37s
